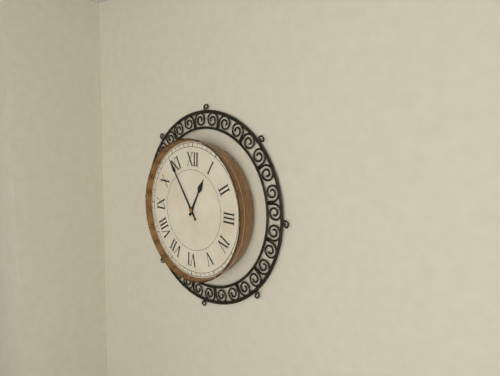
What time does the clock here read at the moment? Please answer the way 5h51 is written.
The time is 12h54
